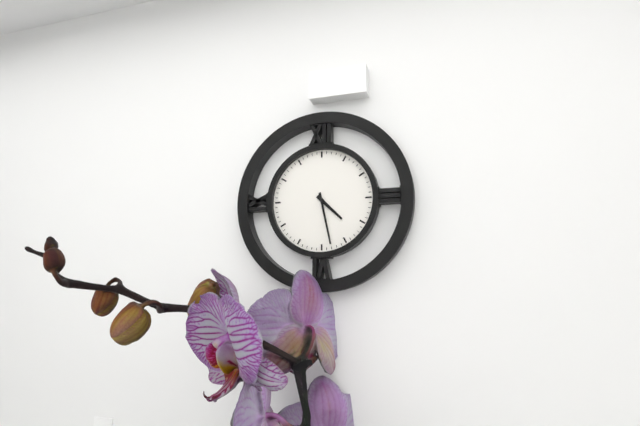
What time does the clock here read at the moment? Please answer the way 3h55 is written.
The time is 4h28
